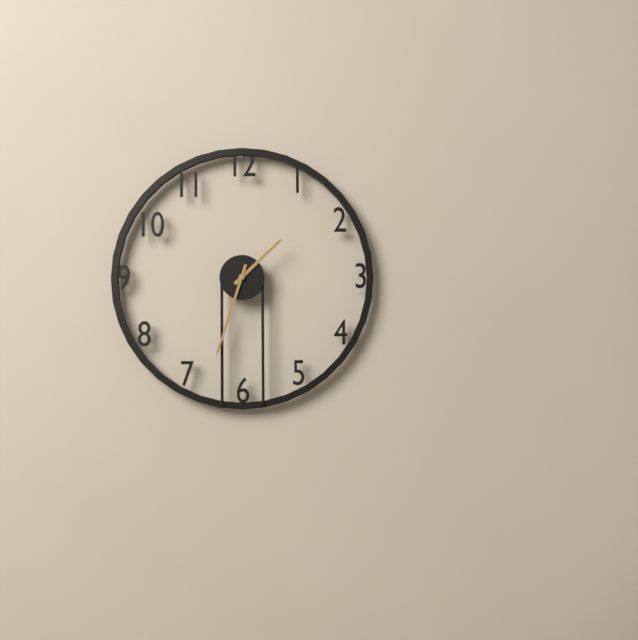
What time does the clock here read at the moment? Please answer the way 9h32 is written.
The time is 1h33
